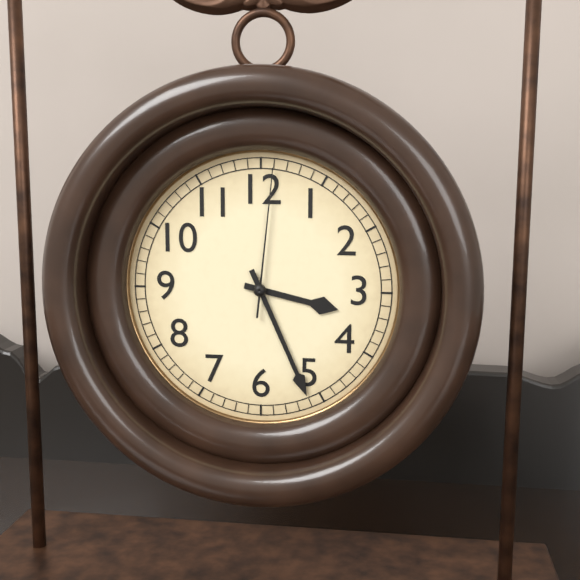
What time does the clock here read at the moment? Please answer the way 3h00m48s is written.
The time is 3h26m01s
